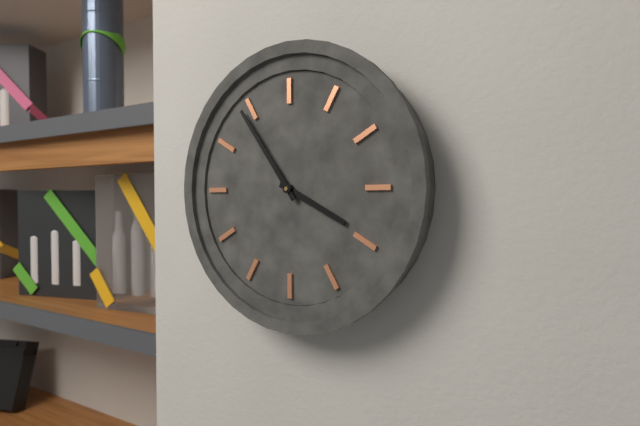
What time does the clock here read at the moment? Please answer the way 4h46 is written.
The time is 3h54
